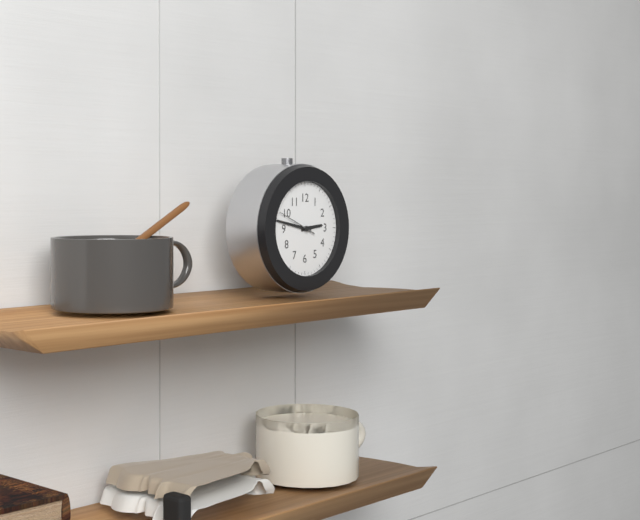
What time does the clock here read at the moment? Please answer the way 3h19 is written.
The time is 2h47
